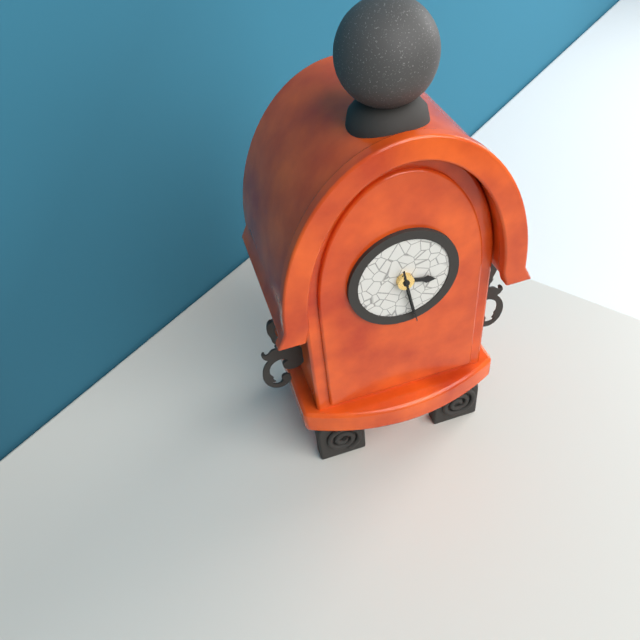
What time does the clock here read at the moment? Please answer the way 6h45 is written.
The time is 3h28
